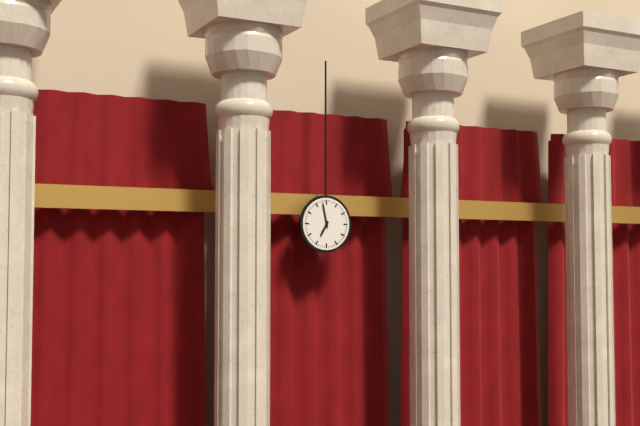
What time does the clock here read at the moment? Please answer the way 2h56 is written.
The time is 6h58
